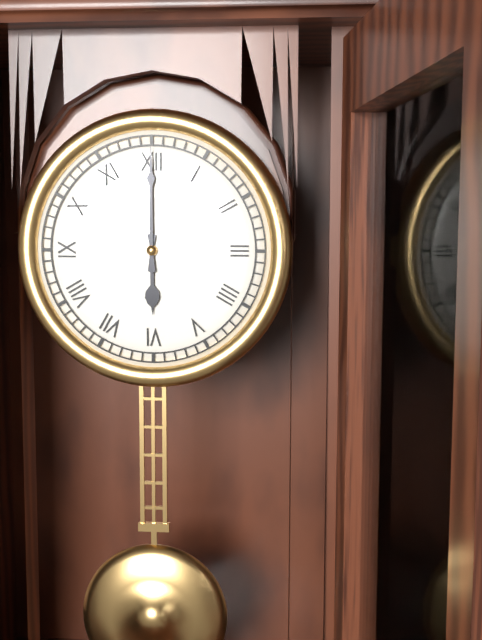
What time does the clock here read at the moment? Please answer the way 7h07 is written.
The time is 6h00
